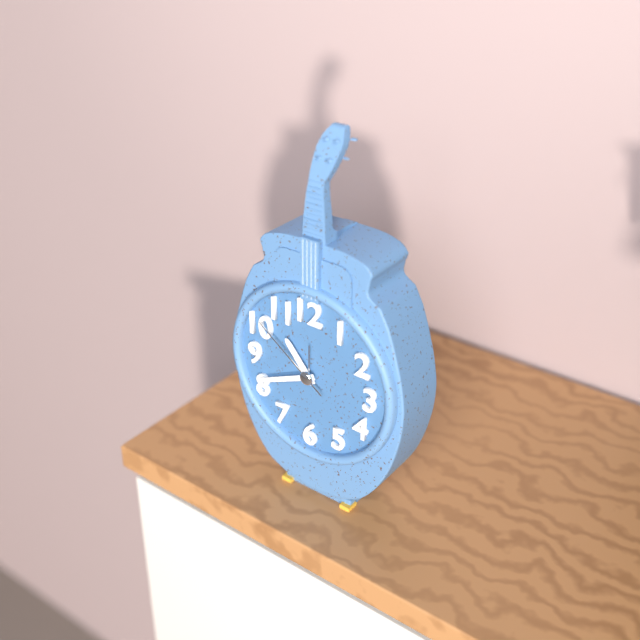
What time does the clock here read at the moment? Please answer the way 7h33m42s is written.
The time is 10h41m51s
